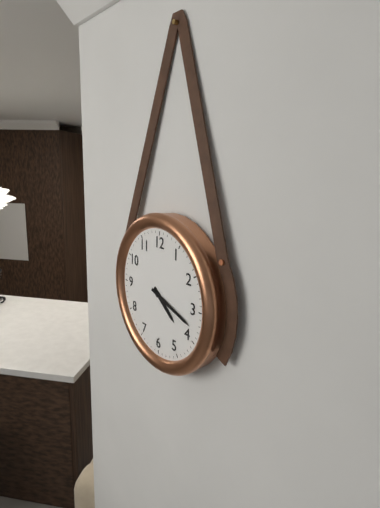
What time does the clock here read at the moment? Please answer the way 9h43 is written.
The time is 4h18
